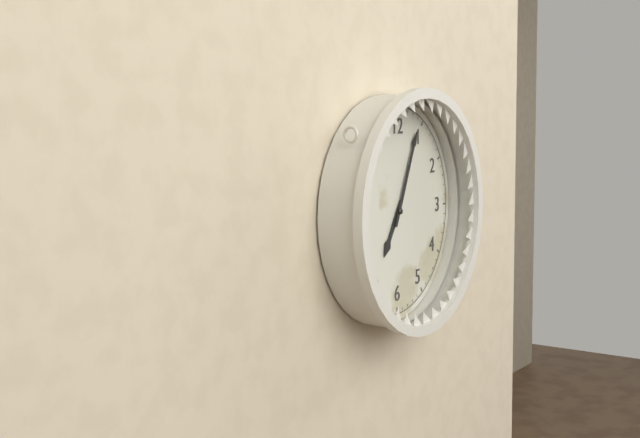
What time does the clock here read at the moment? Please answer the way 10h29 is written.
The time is 7h04
